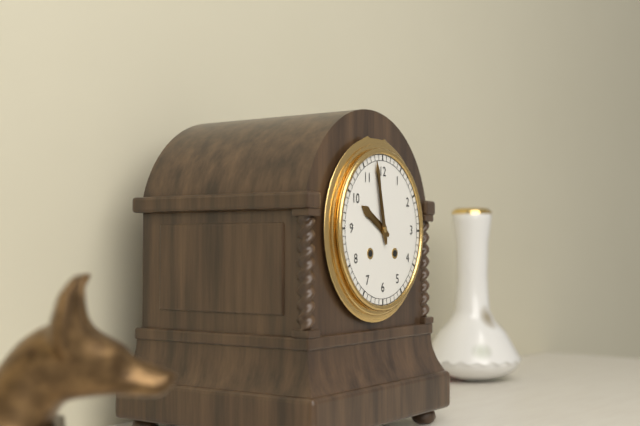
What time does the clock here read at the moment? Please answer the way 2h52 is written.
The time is 9h58
